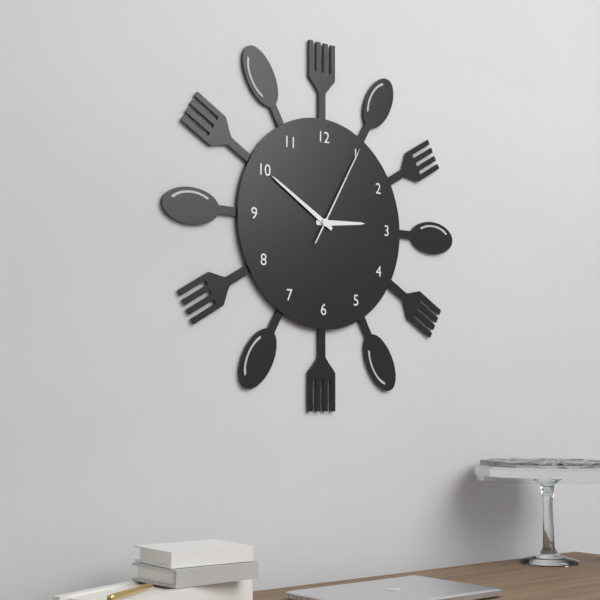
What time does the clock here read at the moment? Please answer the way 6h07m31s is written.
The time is 2h50m05s
